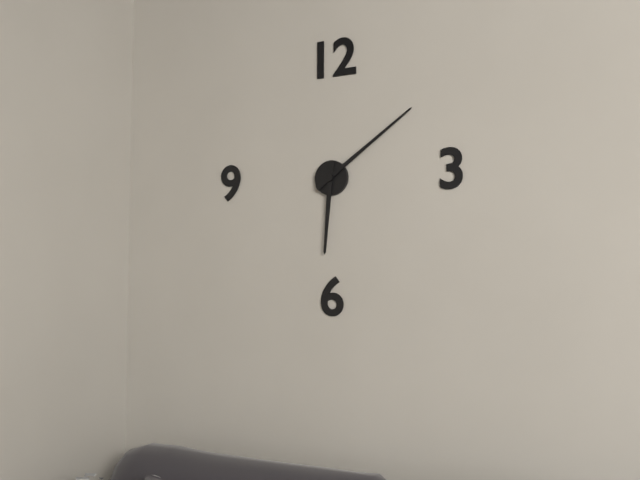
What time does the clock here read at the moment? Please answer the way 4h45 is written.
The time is 6h09
